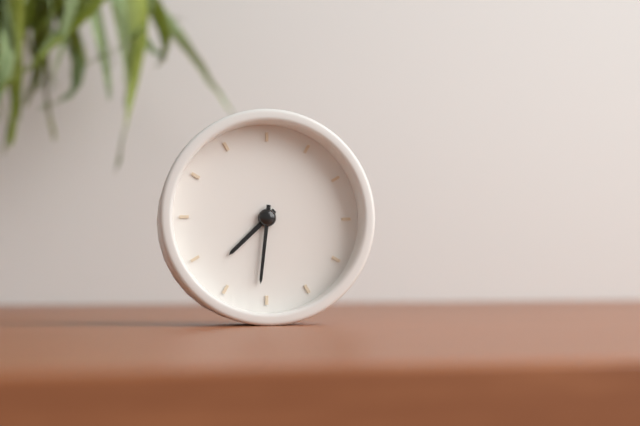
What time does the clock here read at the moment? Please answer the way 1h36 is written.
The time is 7h31
